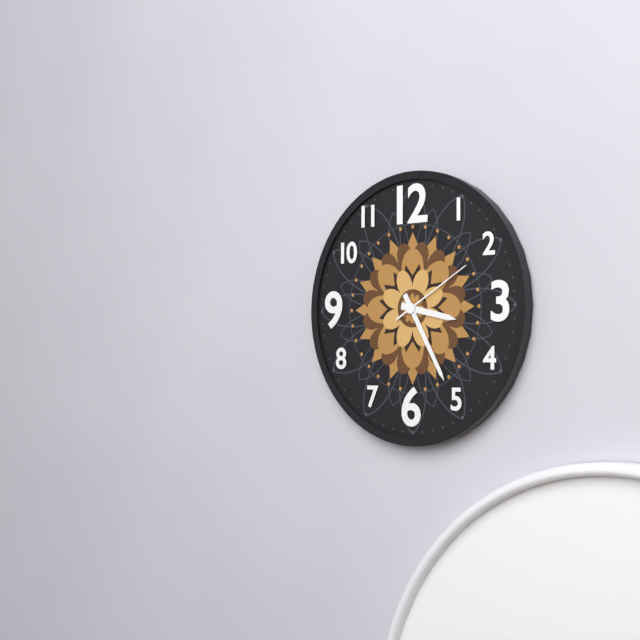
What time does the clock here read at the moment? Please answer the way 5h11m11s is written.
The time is 3h25m10s
